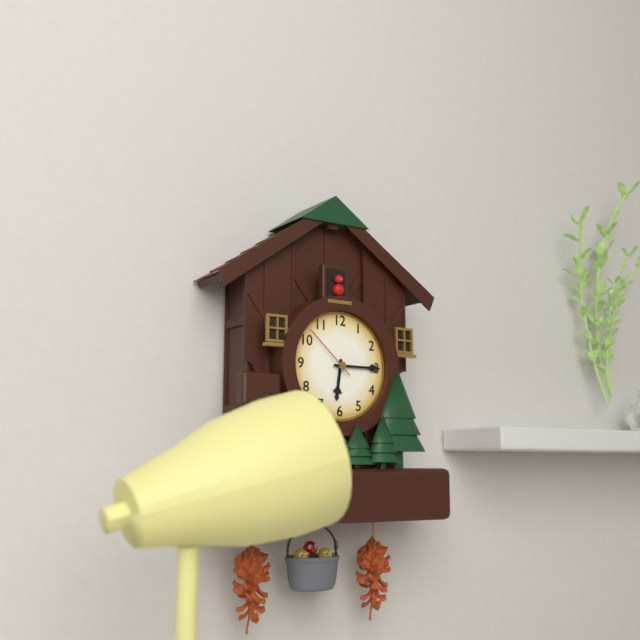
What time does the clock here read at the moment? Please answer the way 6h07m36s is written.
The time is 6h15m52s
